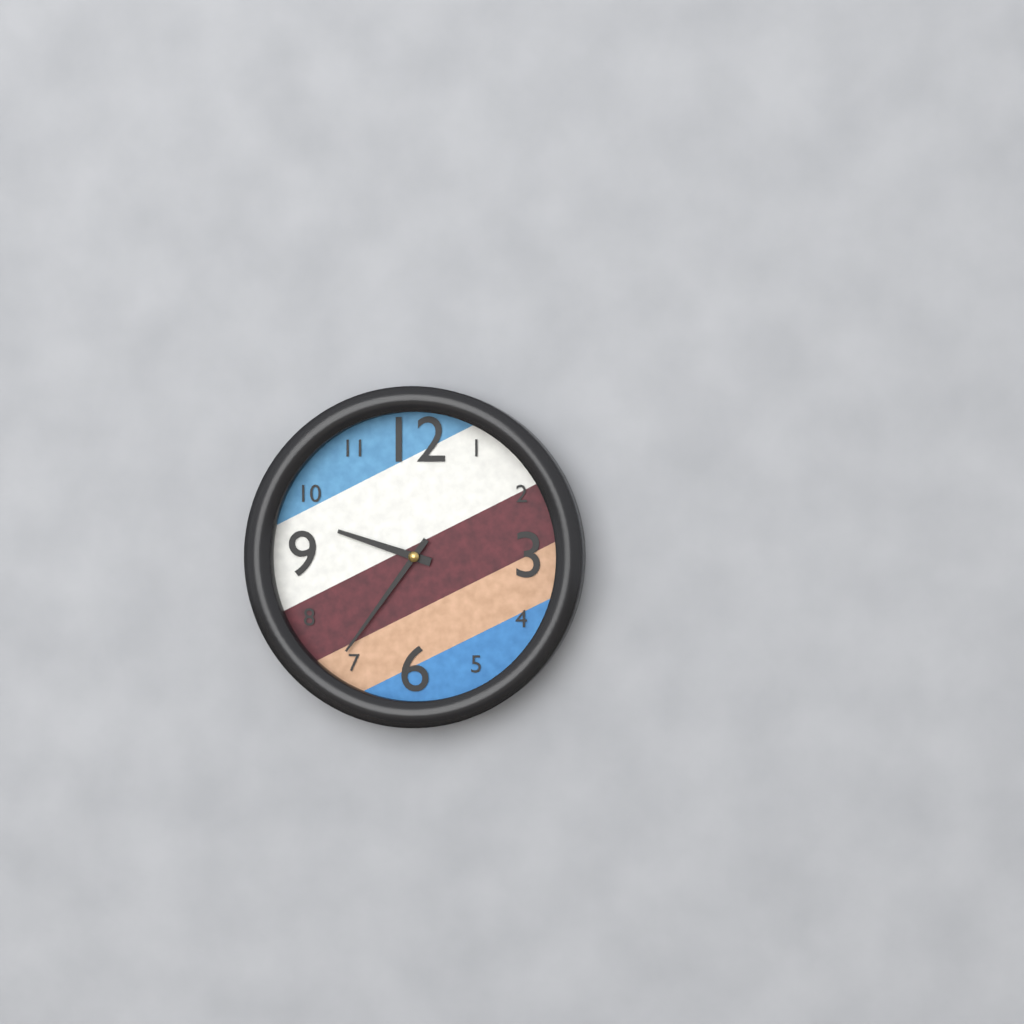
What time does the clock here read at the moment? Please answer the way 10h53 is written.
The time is 9h36
